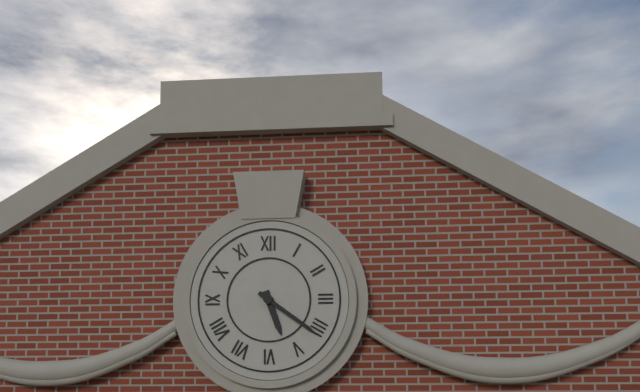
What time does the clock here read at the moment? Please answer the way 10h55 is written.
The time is 5h21
